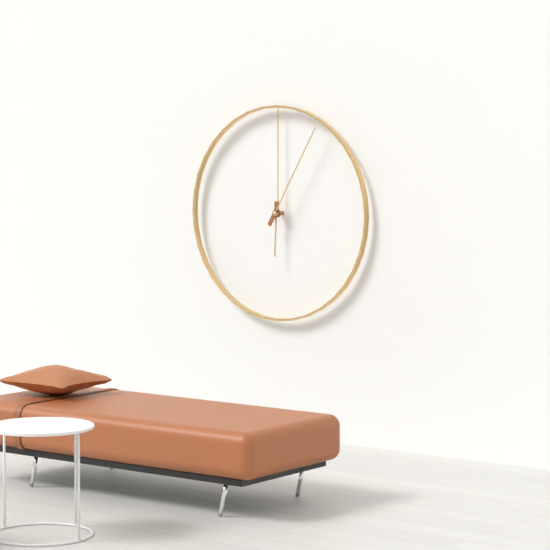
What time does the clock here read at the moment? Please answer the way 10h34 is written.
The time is 6h05
